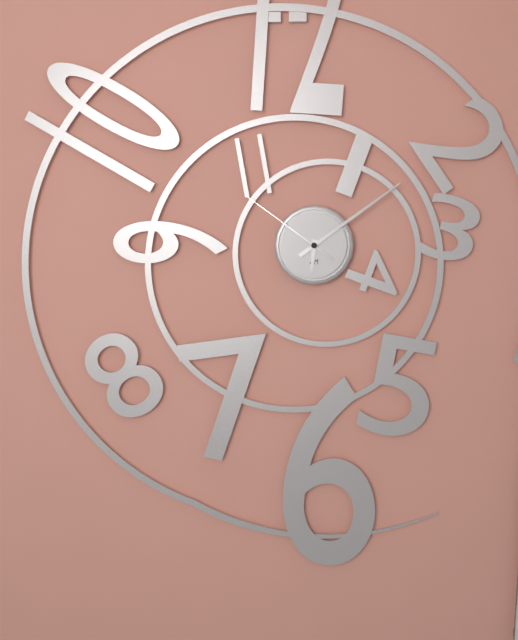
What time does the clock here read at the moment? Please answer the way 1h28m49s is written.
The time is 6h09m51s
